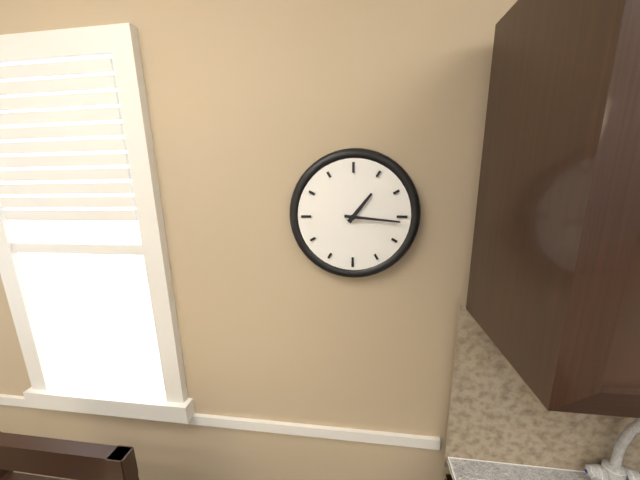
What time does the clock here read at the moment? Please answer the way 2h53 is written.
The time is 1h16
